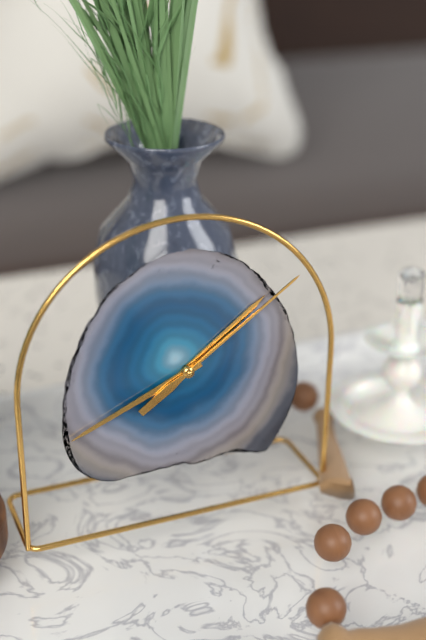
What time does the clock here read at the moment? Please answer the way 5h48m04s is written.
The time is 1h41m09s
